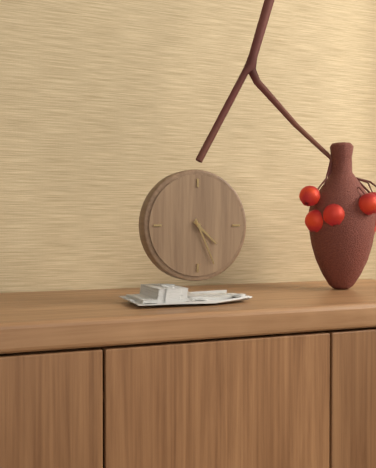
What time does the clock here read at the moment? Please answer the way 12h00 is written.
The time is 4h26
